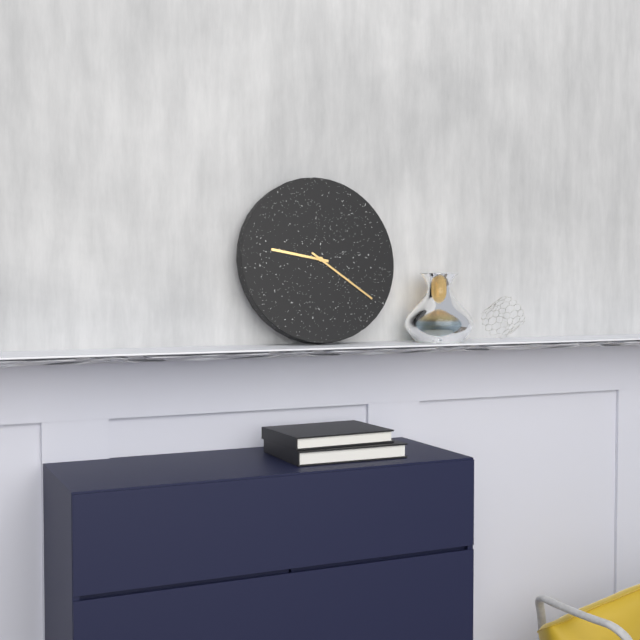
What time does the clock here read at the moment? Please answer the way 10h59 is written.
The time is 9h21
